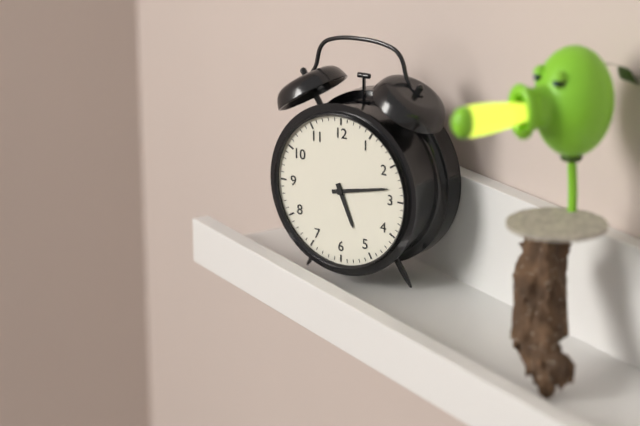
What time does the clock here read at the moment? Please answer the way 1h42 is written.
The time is 5h13
